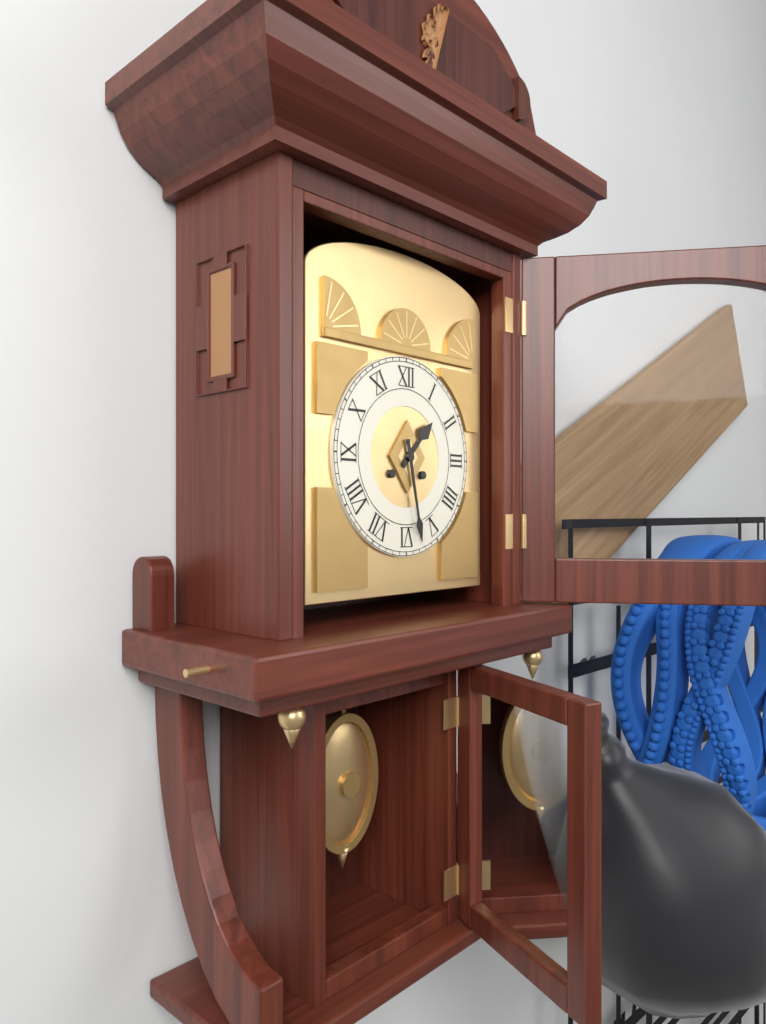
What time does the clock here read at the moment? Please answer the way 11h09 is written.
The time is 1h28
